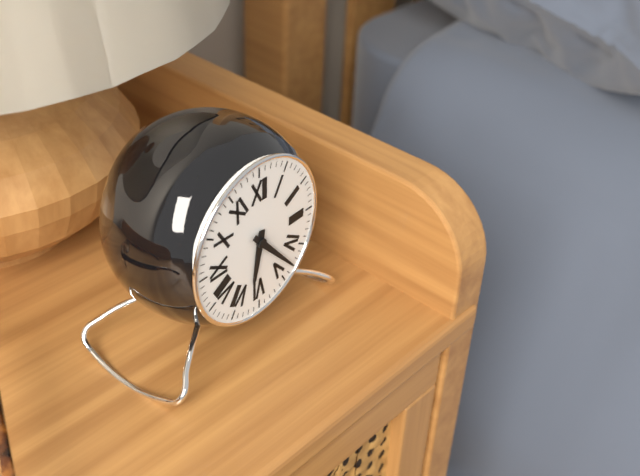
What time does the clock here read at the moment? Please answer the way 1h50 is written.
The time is 6h23
